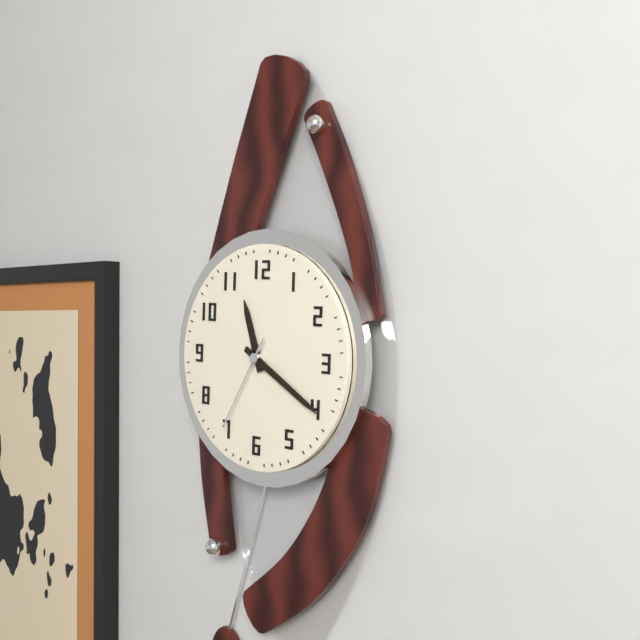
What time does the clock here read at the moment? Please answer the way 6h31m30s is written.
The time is 11h20m35s
